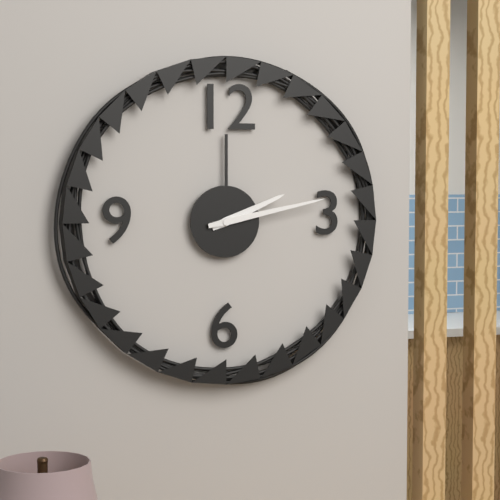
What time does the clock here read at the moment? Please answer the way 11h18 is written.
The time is 2h13
